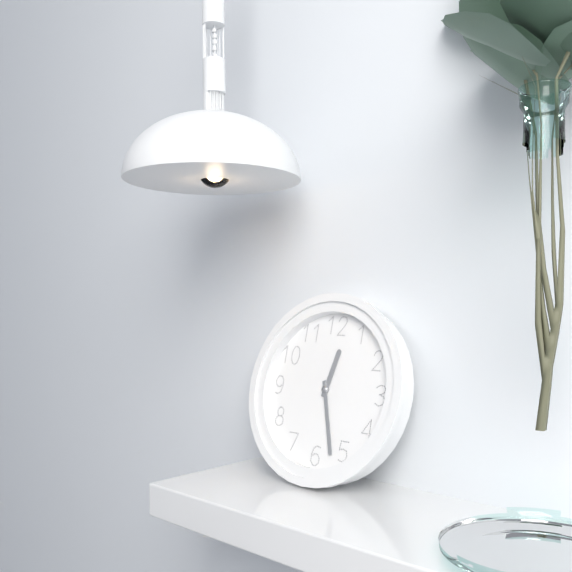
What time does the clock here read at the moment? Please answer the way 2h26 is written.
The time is 12h27
